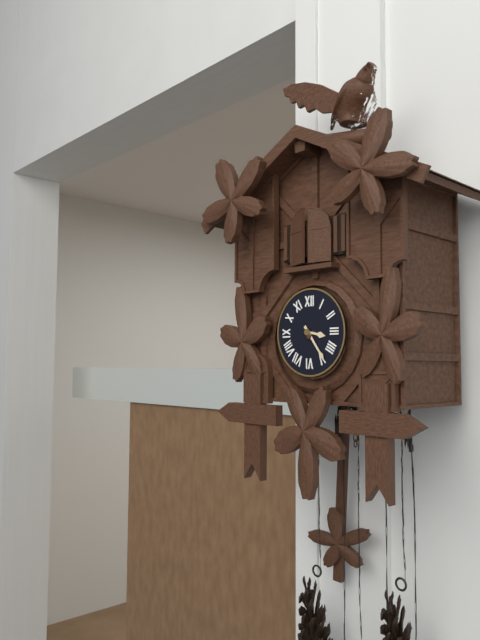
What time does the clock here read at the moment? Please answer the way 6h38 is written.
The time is 3h24
